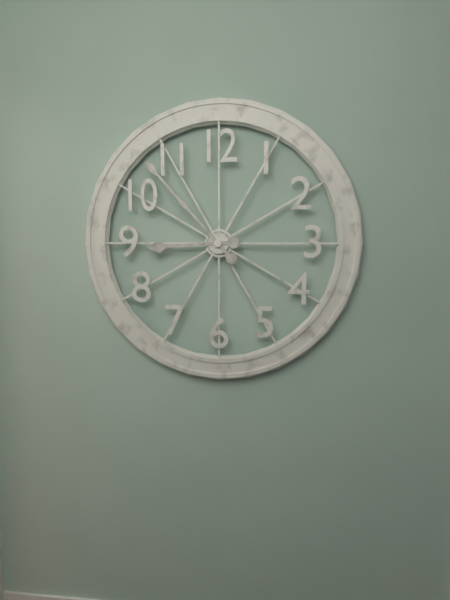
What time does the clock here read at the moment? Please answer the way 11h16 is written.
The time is 8h53
